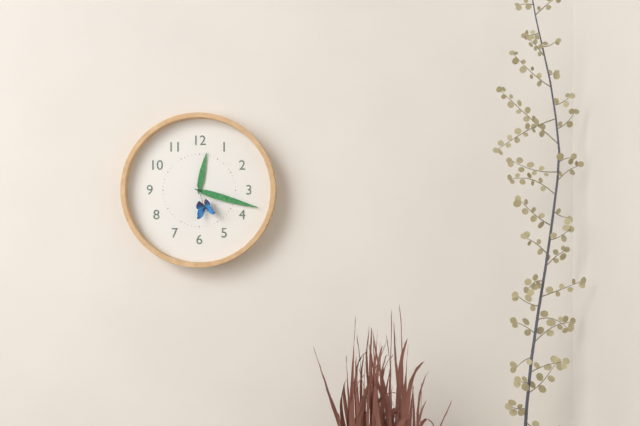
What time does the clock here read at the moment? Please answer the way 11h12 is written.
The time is 12h18
